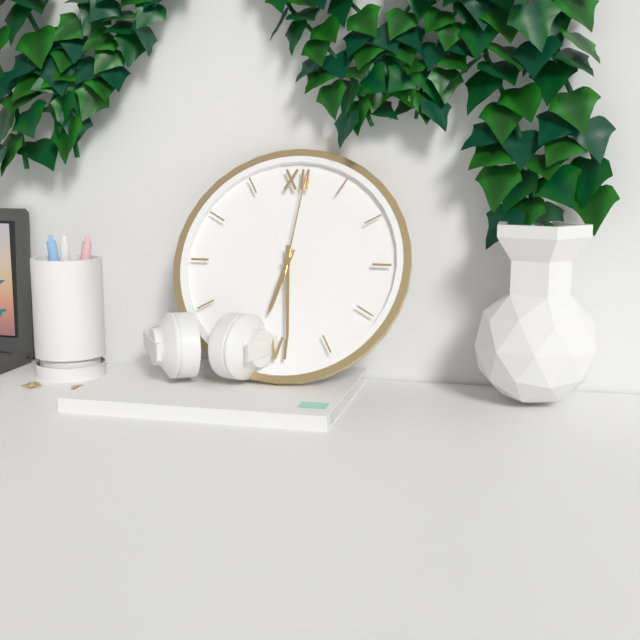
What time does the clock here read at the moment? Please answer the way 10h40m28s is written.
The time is 6h29m01s
